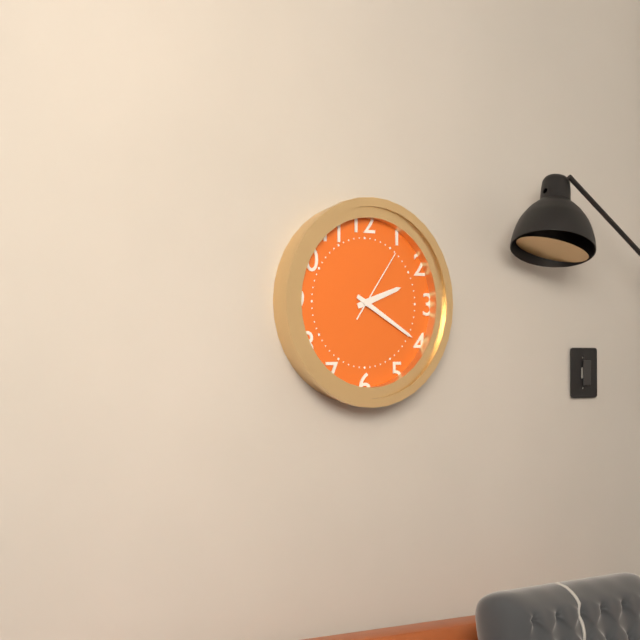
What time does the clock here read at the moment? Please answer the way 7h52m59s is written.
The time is 2h20m06s
